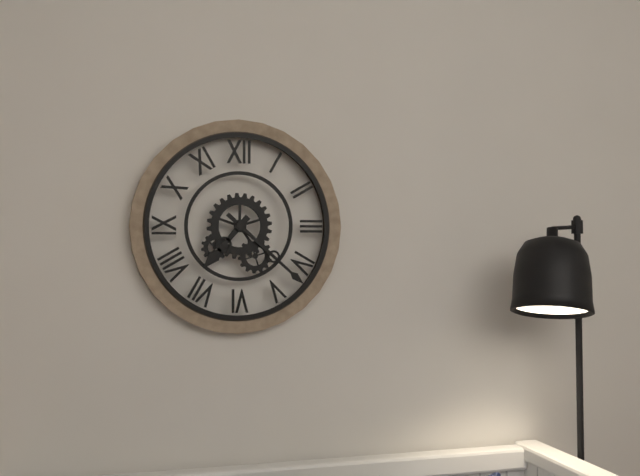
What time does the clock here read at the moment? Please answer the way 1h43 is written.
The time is 7h22
